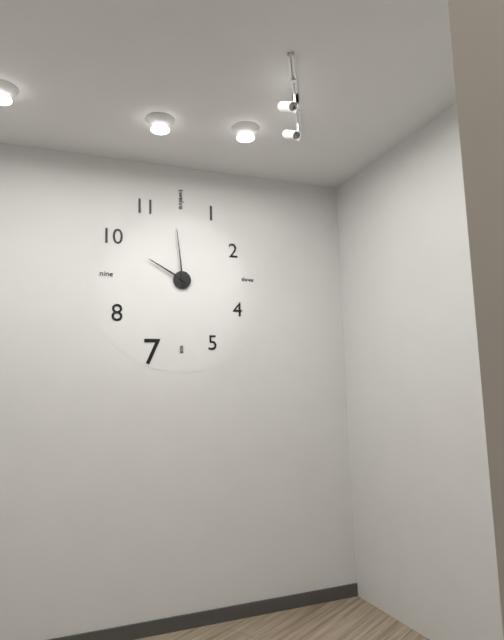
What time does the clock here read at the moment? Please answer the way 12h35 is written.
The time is 9h59
